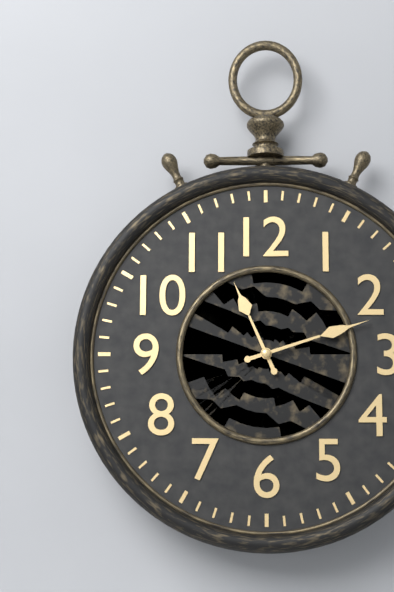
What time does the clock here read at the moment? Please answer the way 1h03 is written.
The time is 11h12
